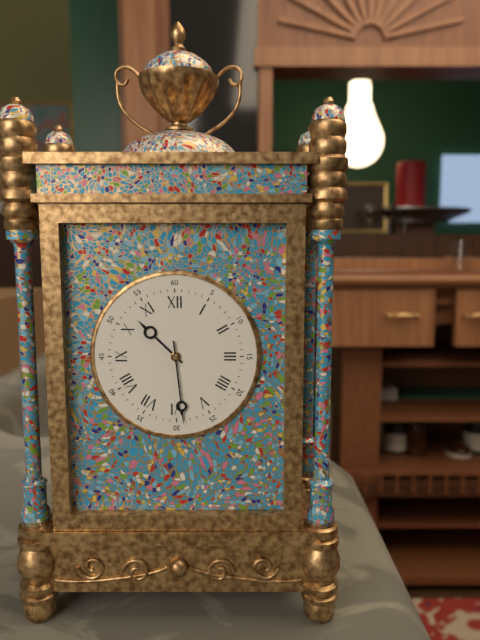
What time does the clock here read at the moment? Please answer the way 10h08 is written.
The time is 10h29
